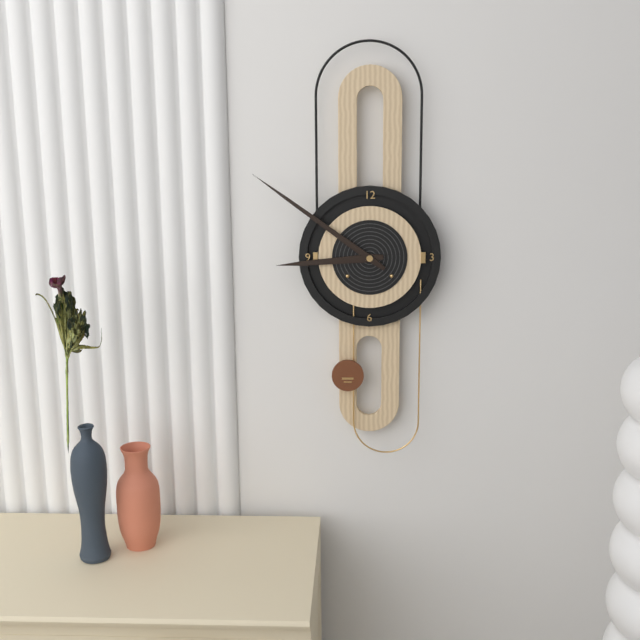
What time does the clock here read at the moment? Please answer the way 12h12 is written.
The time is 8h51
